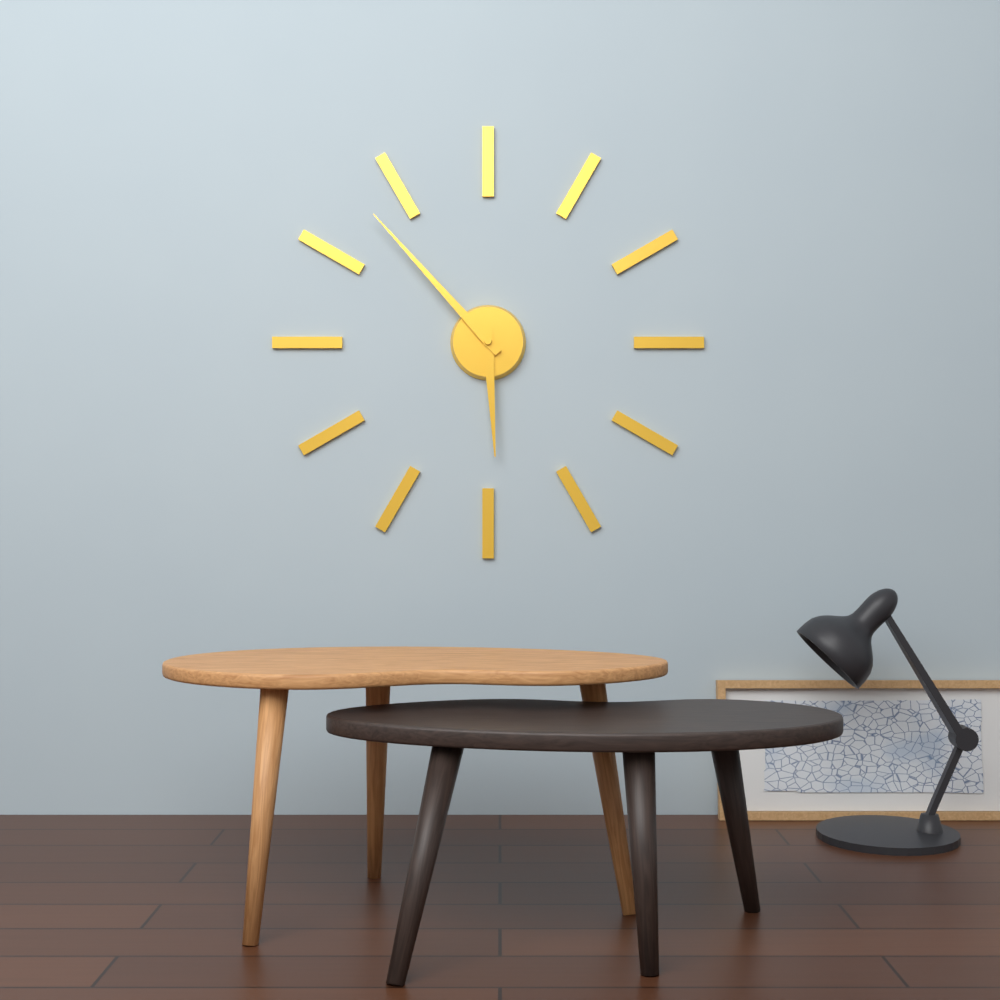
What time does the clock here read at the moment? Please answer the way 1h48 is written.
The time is 5h53
